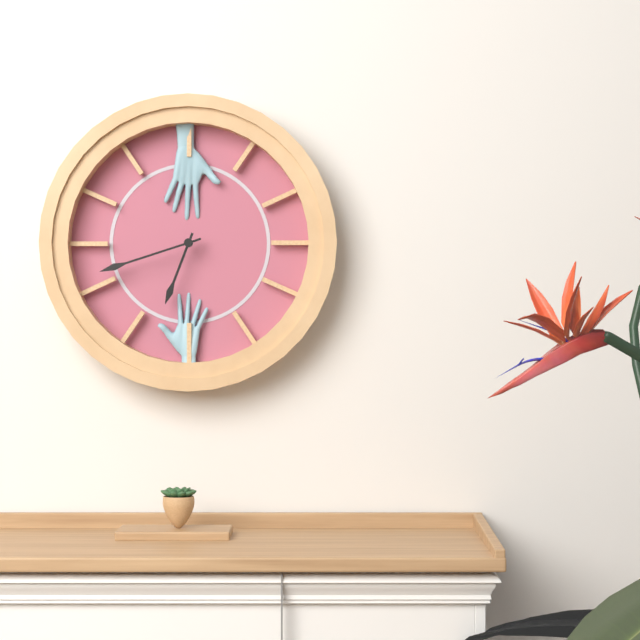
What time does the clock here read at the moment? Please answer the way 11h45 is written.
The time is 6h42
